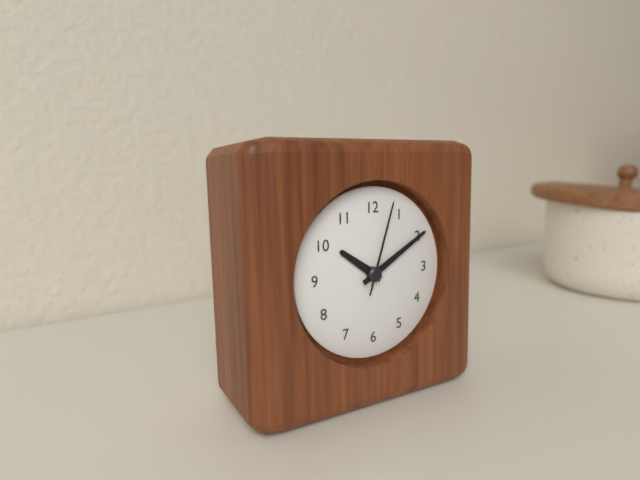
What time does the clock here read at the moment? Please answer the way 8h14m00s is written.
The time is 10h10m03s
